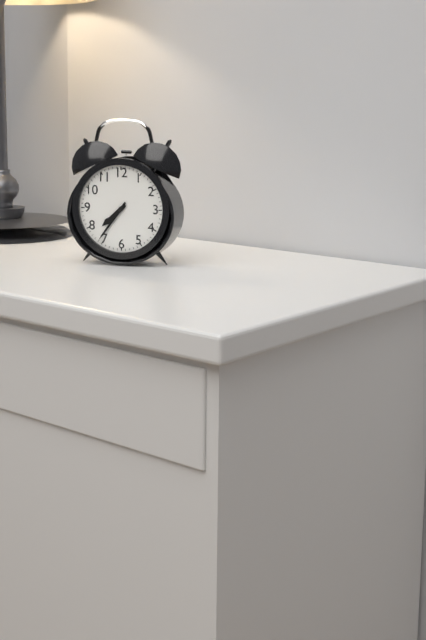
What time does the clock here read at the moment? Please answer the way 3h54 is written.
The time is 7h36
